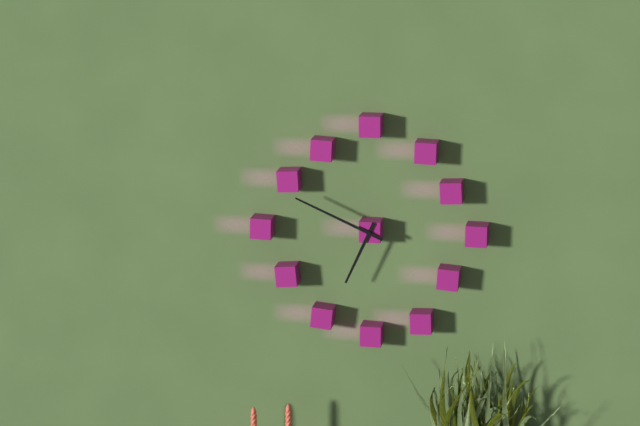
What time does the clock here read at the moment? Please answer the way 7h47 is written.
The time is 6h49
